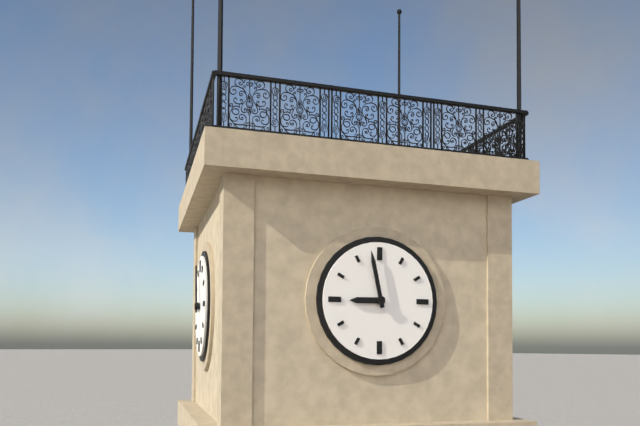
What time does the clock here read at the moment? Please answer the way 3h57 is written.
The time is 8h58
